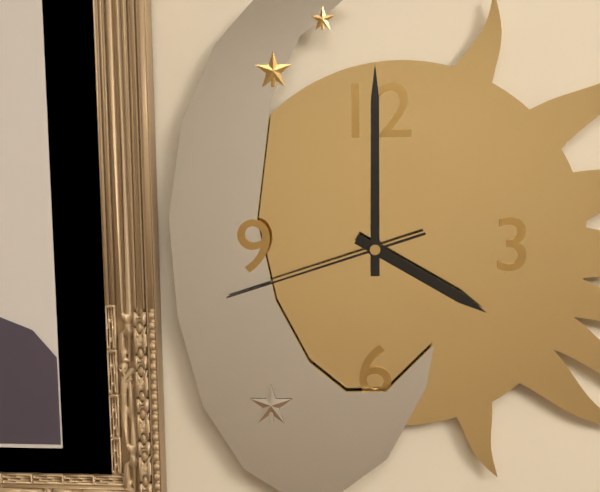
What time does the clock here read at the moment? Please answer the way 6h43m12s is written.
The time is 4h00m42s
